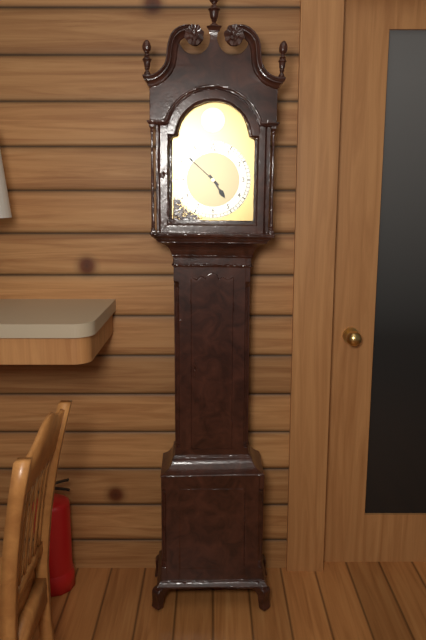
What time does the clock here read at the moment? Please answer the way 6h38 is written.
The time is 4h52
